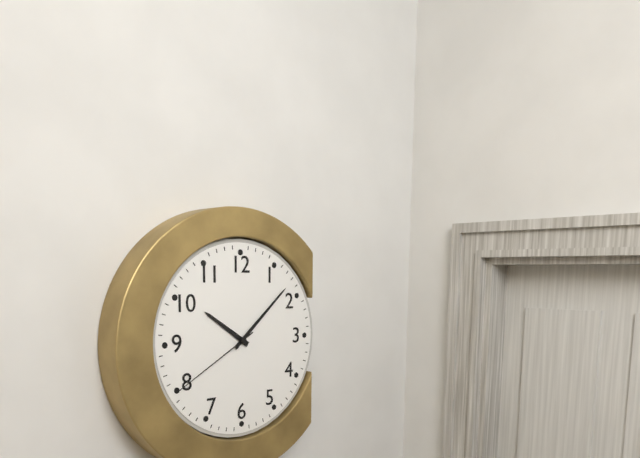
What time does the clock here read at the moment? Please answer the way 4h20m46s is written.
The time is 10h08m40s
